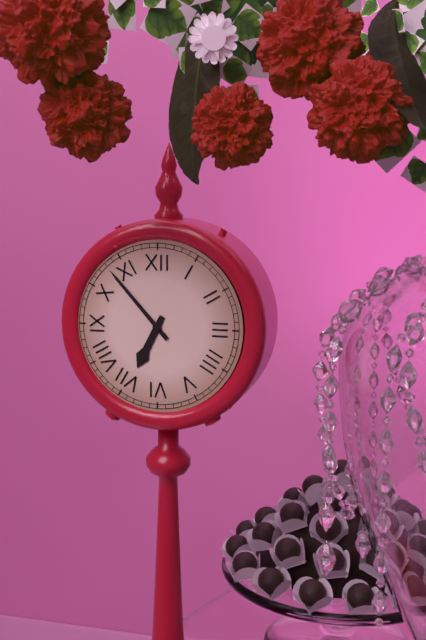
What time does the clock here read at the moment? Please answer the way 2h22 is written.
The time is 6h53
